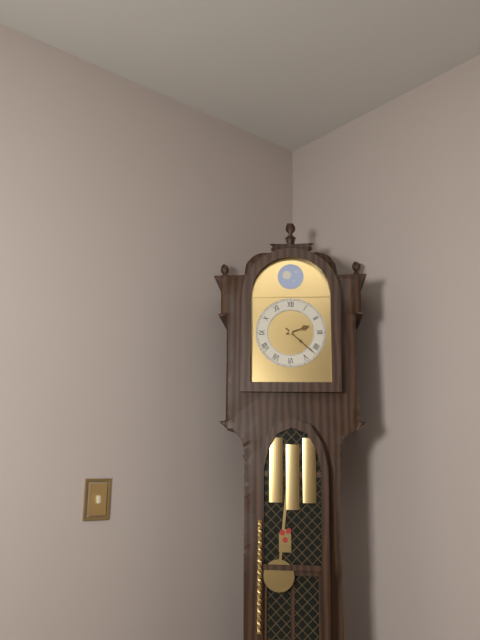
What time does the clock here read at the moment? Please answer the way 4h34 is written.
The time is 2h22
